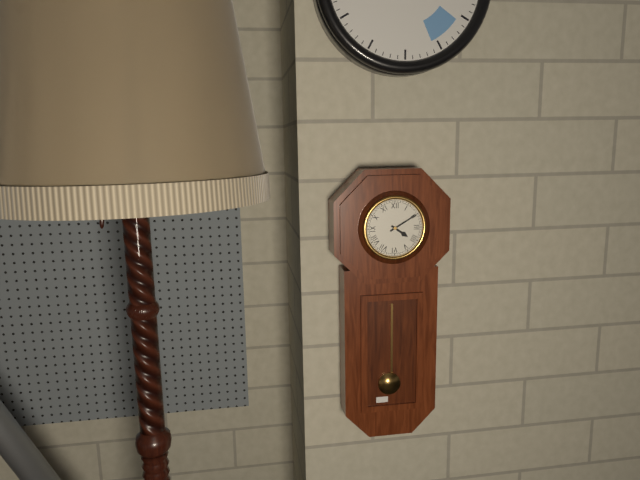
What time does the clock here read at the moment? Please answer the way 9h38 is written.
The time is 4h10
